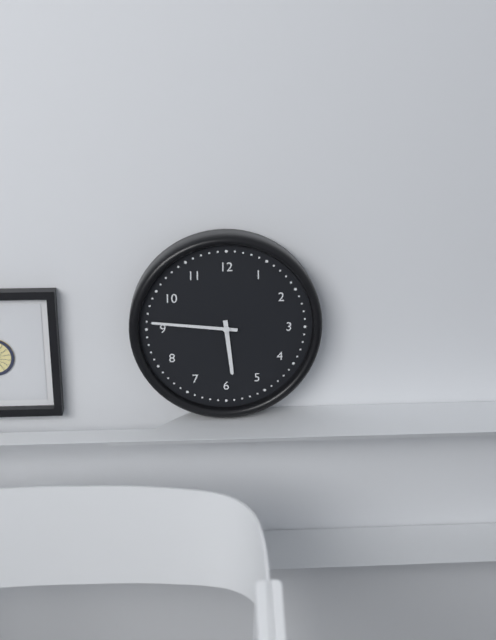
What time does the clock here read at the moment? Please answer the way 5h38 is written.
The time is 5h46
